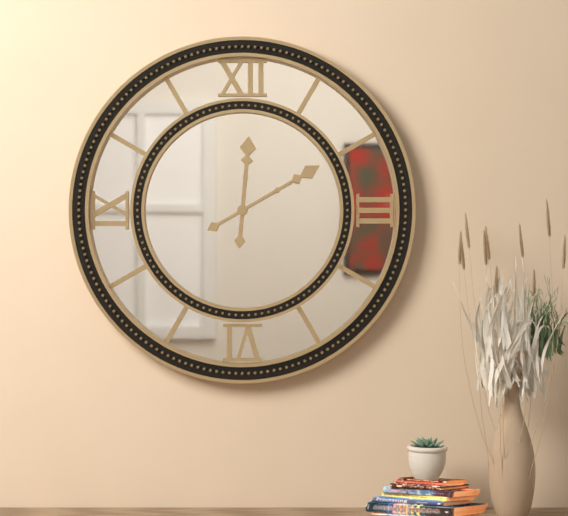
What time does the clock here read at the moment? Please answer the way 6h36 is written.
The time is 12h10
